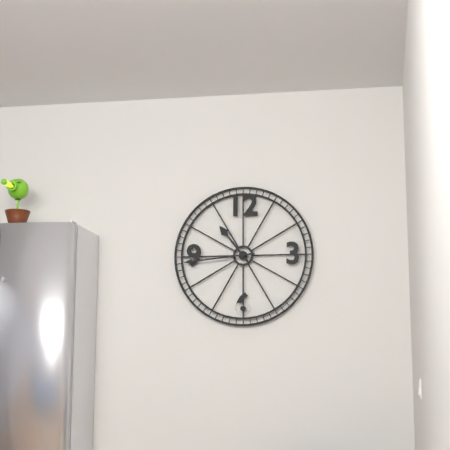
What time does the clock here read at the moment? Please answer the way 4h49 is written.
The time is 10h44
